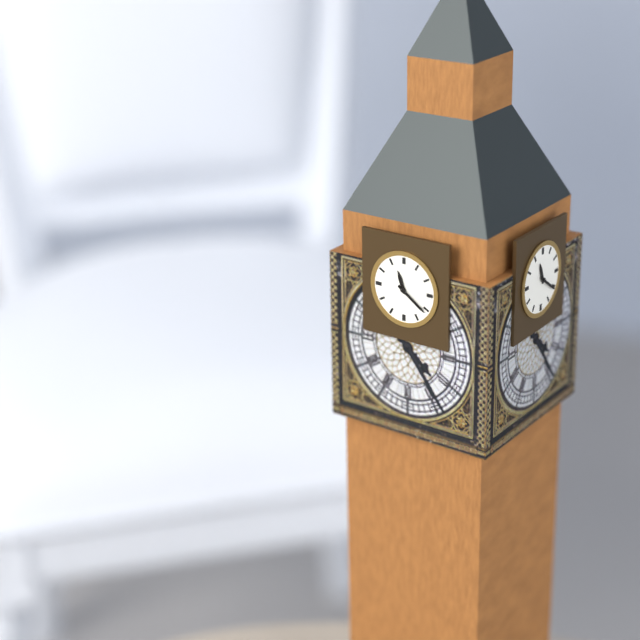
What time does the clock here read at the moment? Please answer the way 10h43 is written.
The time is 11h21
